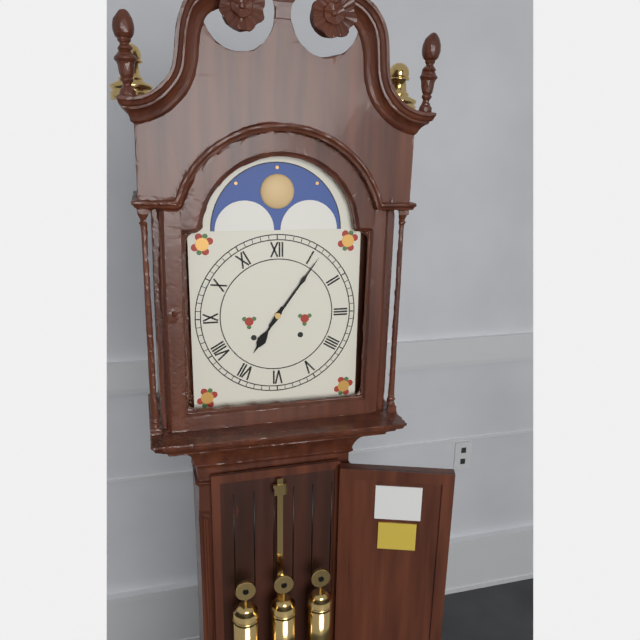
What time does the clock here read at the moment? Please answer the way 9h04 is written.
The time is 7h06
